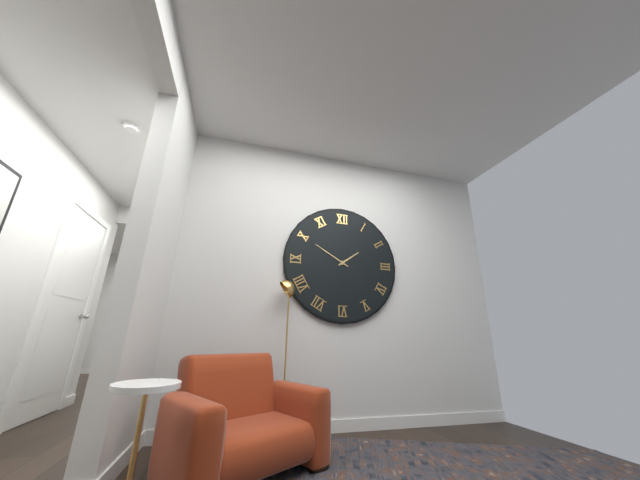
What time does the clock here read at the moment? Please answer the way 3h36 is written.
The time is 1h50
